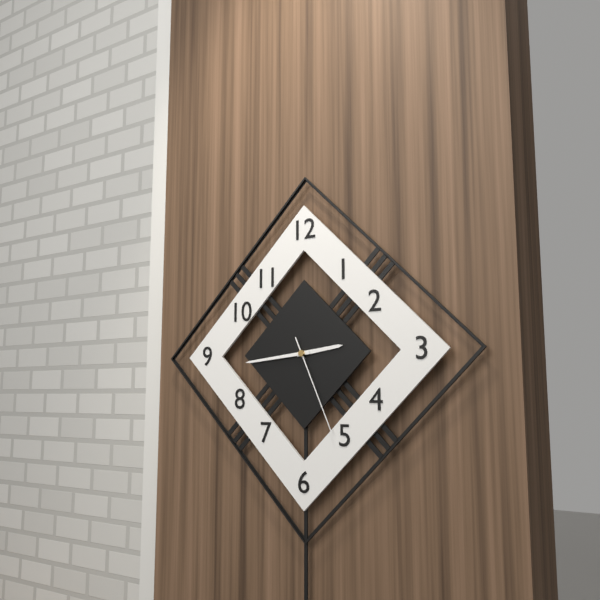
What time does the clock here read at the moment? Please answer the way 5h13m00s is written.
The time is 2h44m26s
